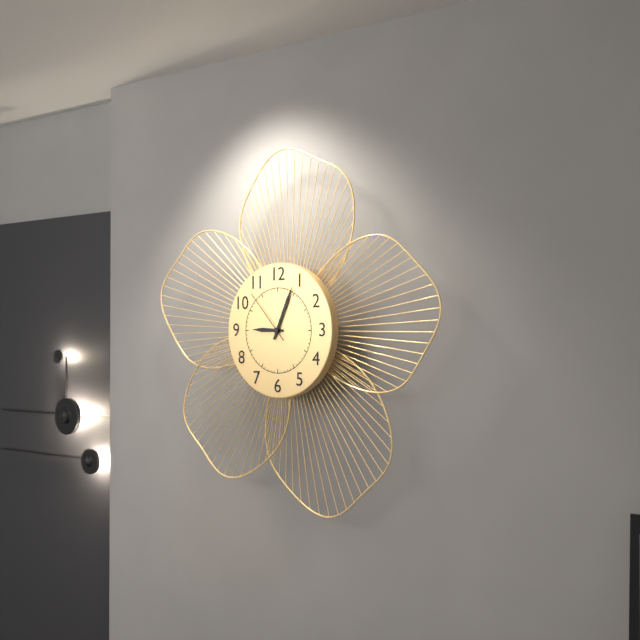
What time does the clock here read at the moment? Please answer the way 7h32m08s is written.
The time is 9h04m53s
